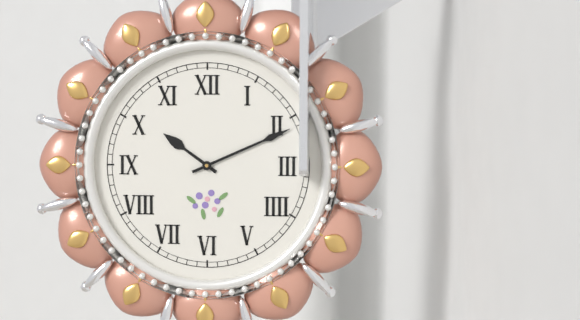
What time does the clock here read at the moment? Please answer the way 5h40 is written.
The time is 10h11
